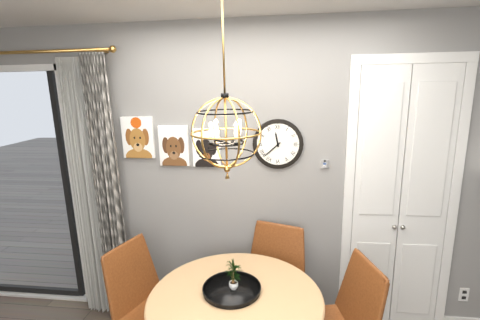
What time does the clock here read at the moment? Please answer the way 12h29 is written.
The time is 11h38
